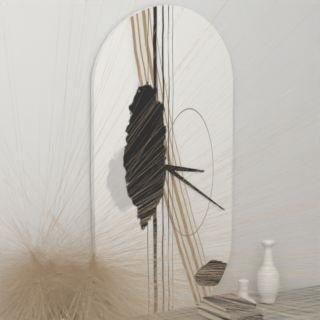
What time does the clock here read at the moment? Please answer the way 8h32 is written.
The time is 3h21
